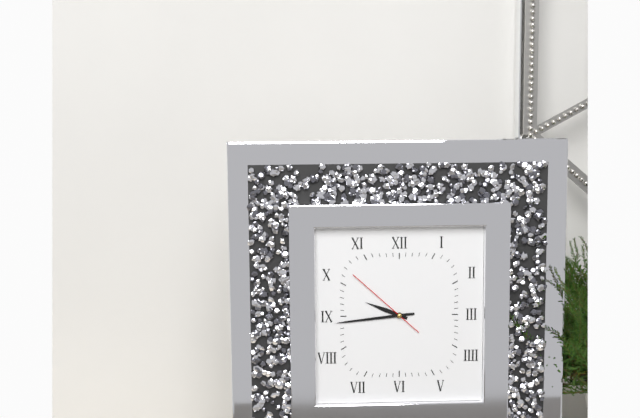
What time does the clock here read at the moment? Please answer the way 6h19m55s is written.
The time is 9h44m52s
